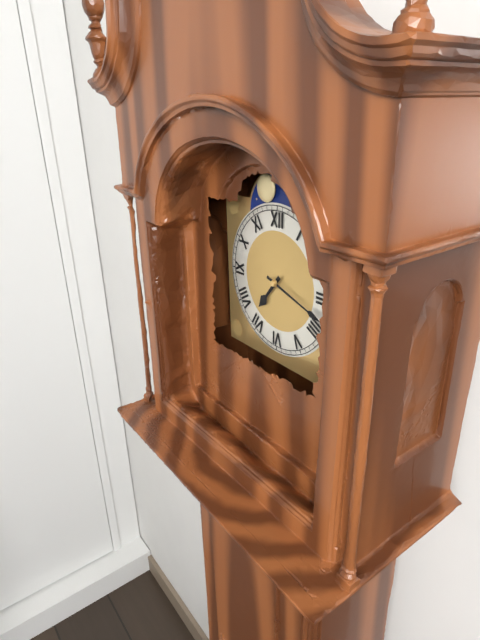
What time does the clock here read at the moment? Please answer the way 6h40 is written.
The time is 7h18
